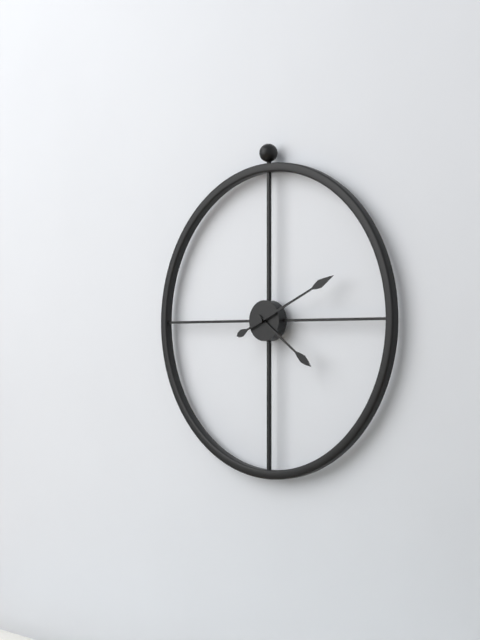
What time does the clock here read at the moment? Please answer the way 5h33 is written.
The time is 4h11
